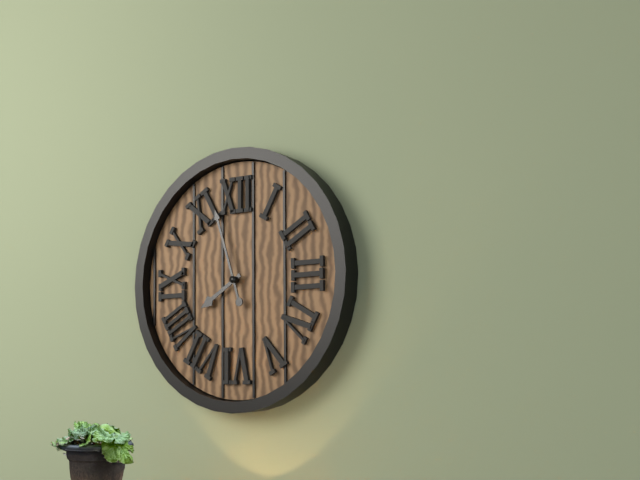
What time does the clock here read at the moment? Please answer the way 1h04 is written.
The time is 7h57
